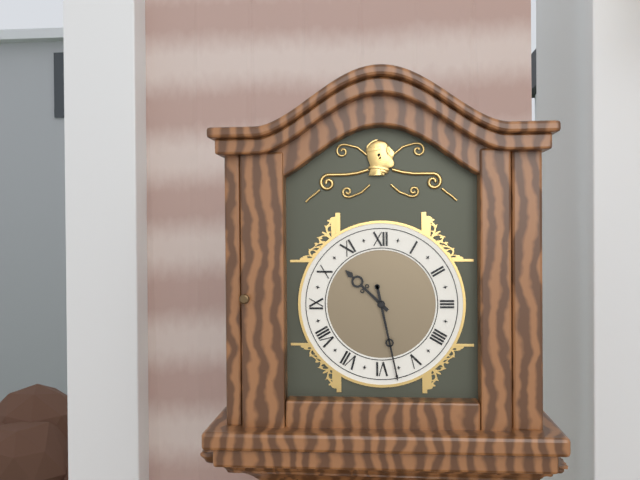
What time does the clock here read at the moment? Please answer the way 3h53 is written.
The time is 10h28
